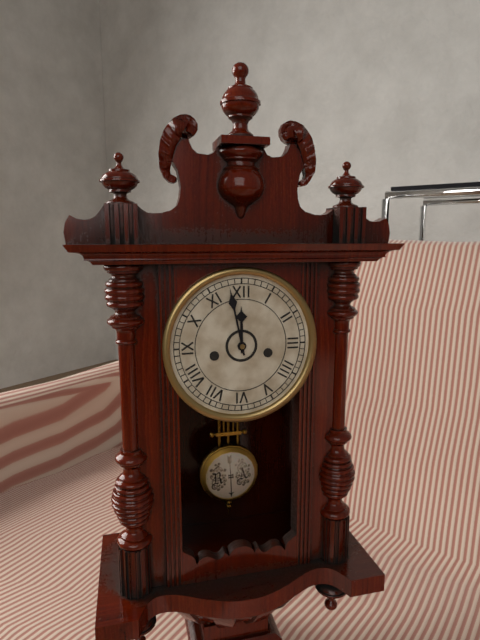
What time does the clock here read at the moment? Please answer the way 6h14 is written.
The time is 11h58
